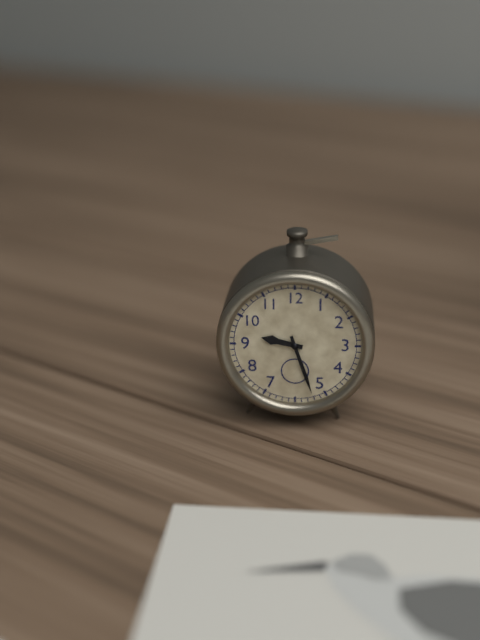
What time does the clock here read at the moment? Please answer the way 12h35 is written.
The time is 9h27
